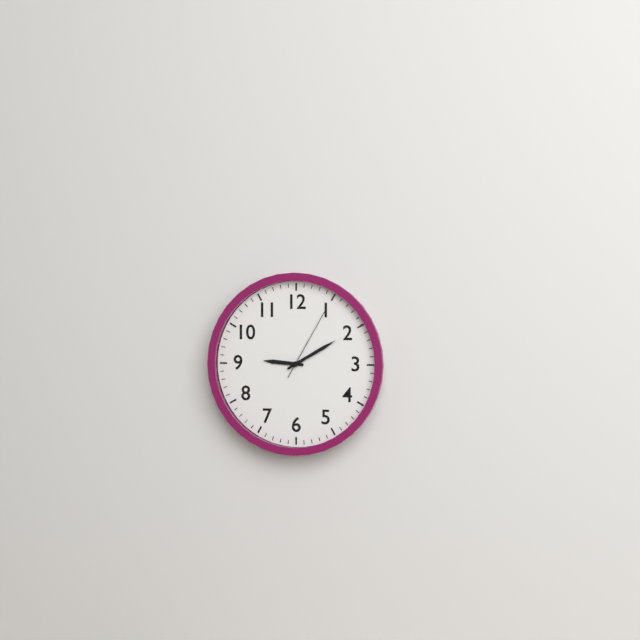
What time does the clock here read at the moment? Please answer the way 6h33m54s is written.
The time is 9h10m05s
